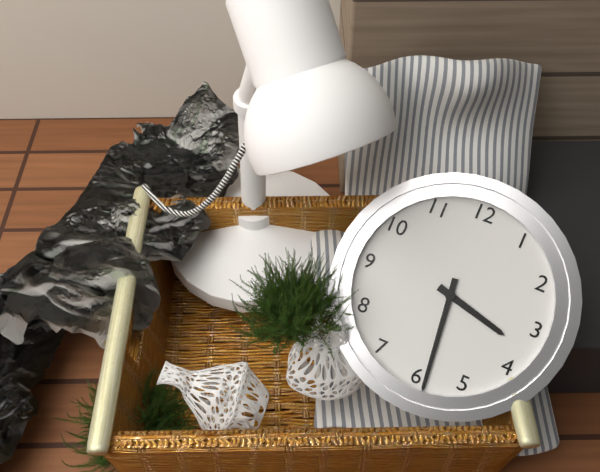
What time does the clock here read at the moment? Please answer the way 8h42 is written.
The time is 3h29
